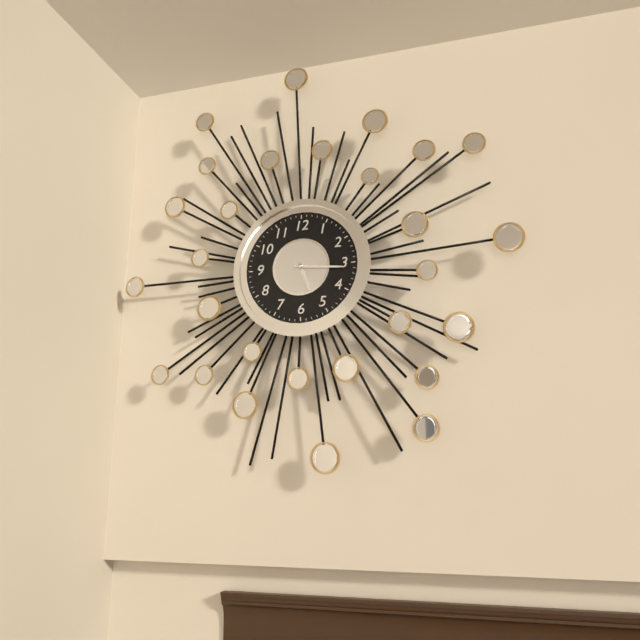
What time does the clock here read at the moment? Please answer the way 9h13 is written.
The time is 5h16
